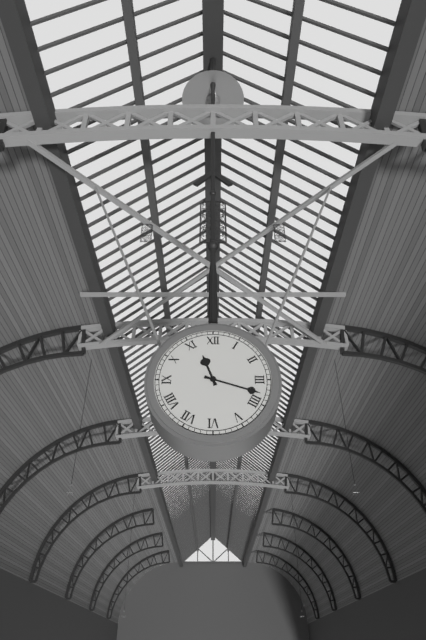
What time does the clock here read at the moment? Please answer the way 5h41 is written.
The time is 11h18
